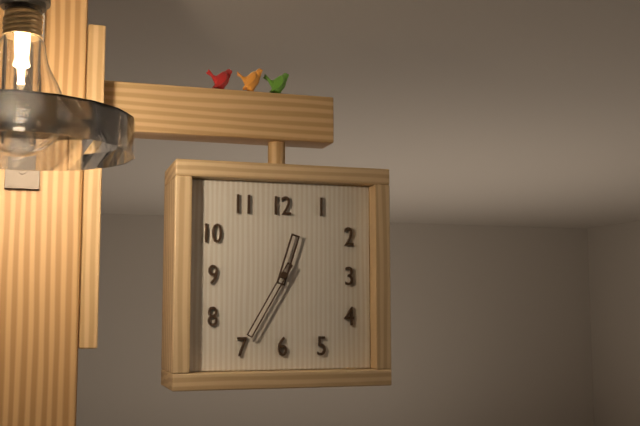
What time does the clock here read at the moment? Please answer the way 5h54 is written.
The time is 12h35
